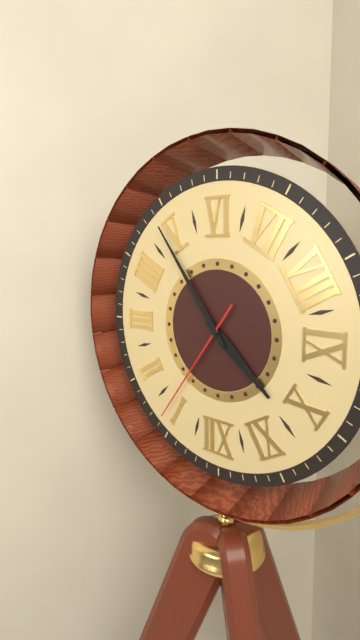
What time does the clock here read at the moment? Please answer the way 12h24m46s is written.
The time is 10h24m06s
